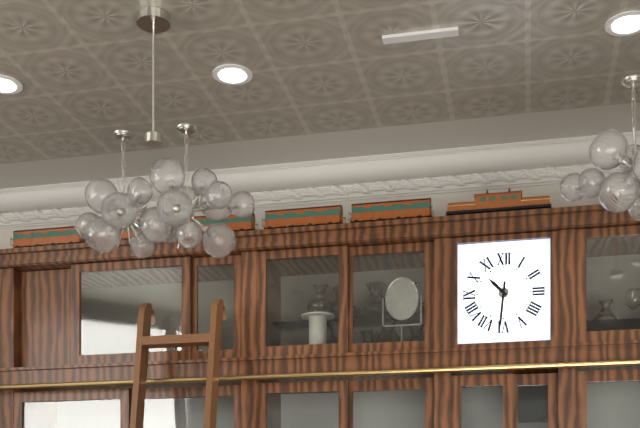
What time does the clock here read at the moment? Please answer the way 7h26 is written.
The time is 10h31
